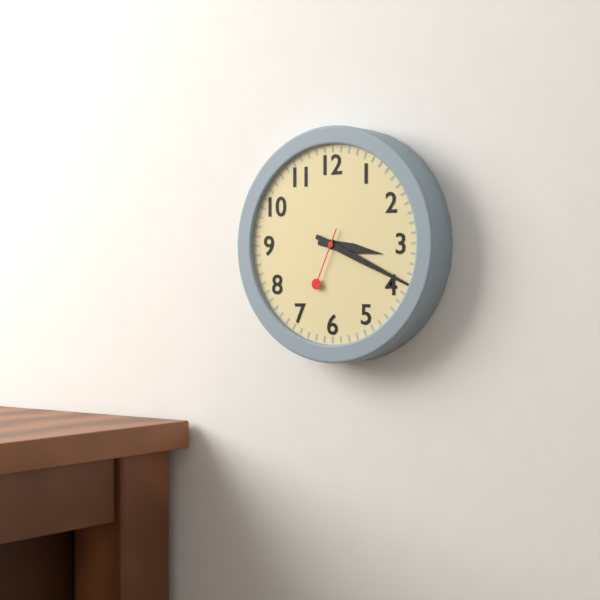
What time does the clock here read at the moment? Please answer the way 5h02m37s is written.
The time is 3h19m34s
